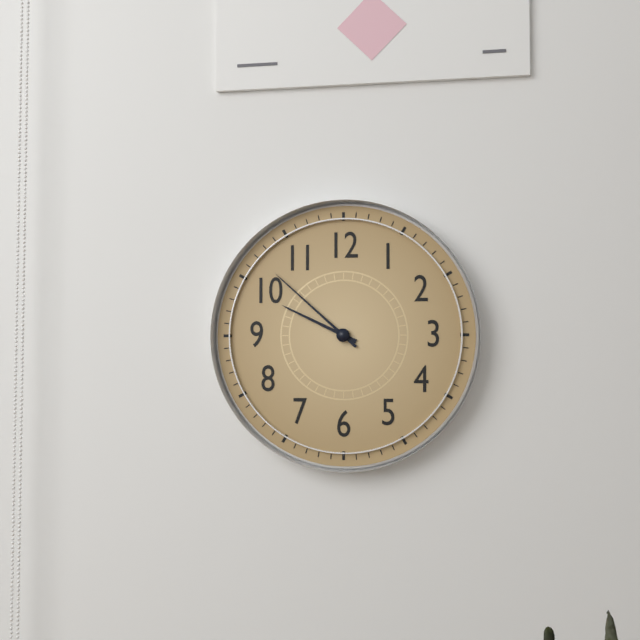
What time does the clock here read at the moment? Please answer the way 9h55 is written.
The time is 9h52
